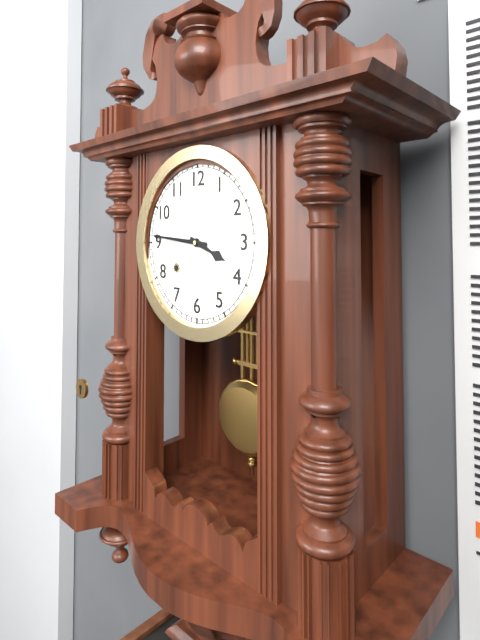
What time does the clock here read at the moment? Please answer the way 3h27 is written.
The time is 3h46
